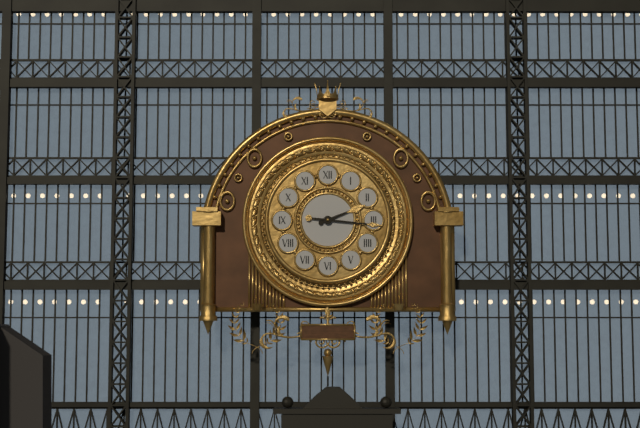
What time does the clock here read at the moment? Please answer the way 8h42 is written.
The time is 2h16
